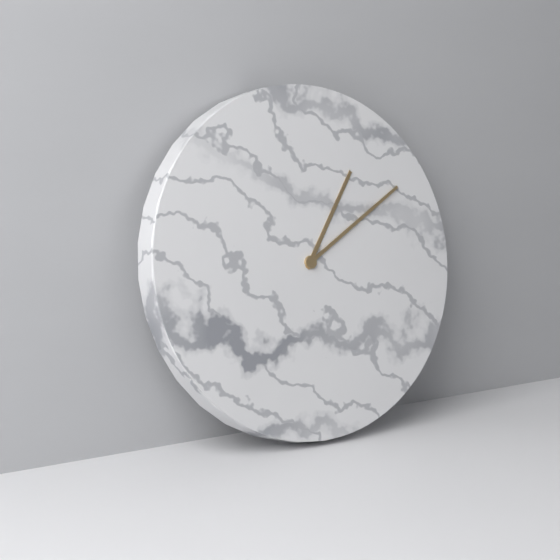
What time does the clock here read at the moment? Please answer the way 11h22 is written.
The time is 1h10
